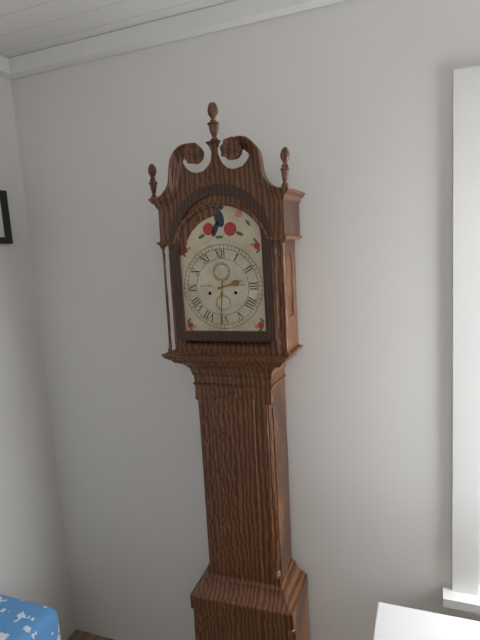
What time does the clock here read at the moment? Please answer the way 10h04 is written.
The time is 2h31
